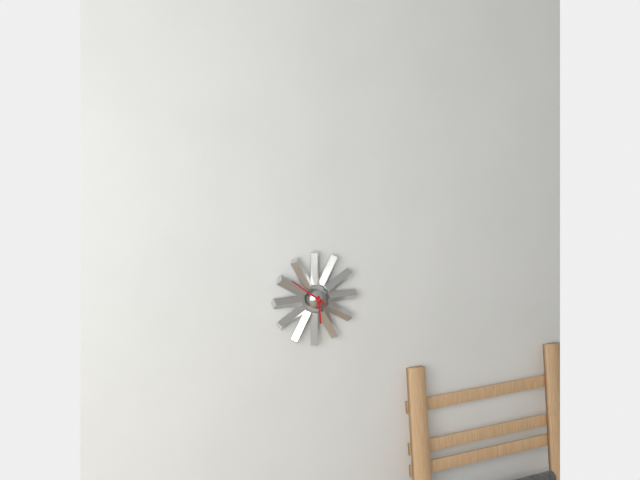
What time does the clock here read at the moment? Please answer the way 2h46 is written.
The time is 5h51
